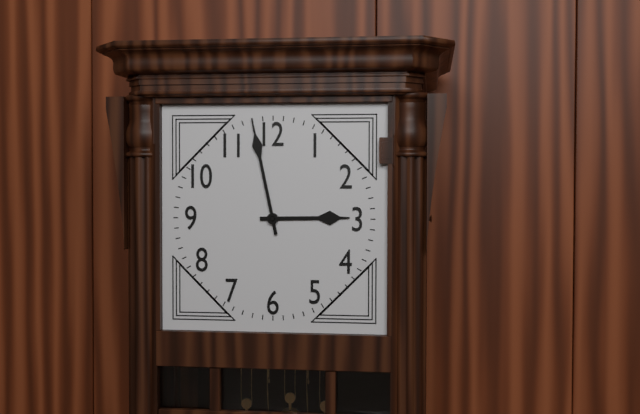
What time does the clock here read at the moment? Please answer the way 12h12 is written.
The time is 2h58
